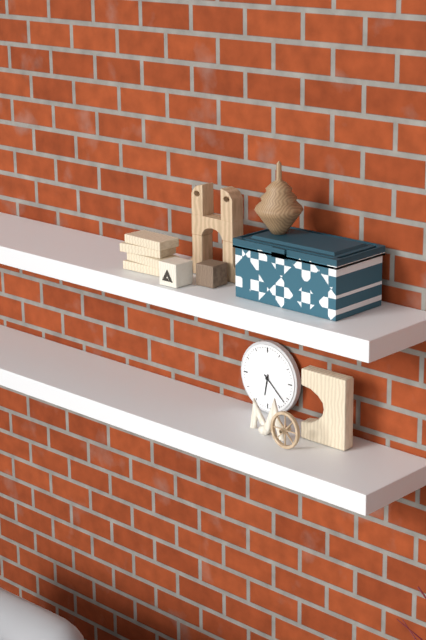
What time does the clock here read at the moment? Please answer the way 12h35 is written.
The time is 6h22
